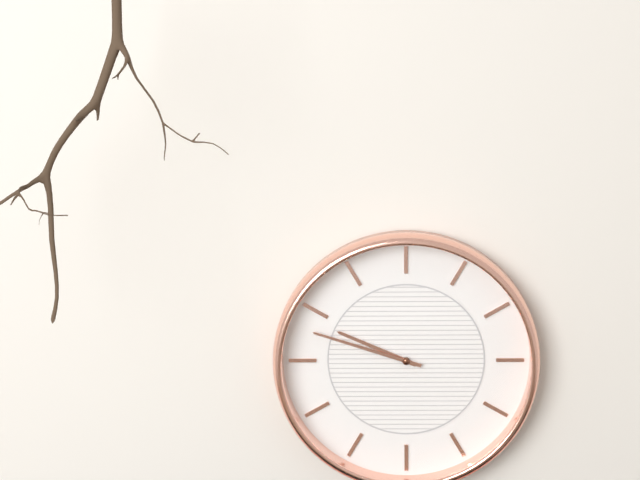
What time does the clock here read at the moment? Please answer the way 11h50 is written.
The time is 9h48
